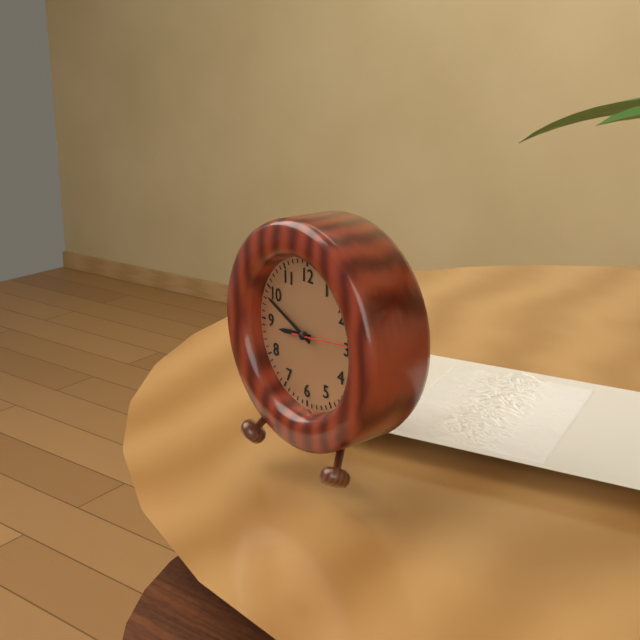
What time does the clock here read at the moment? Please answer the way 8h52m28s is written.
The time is 8h49m14s
